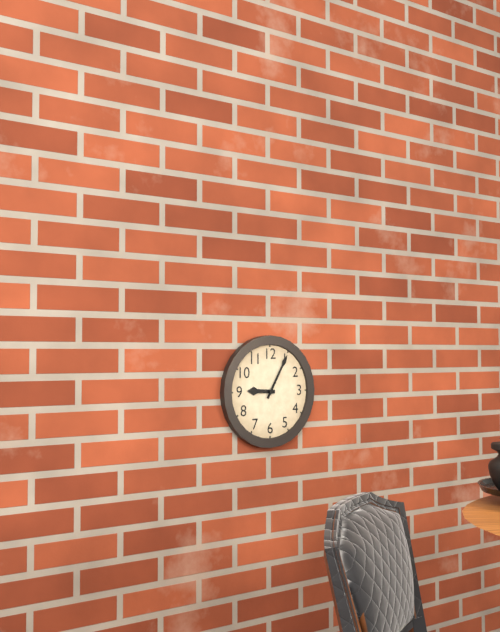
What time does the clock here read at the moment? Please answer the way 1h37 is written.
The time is 9h05
